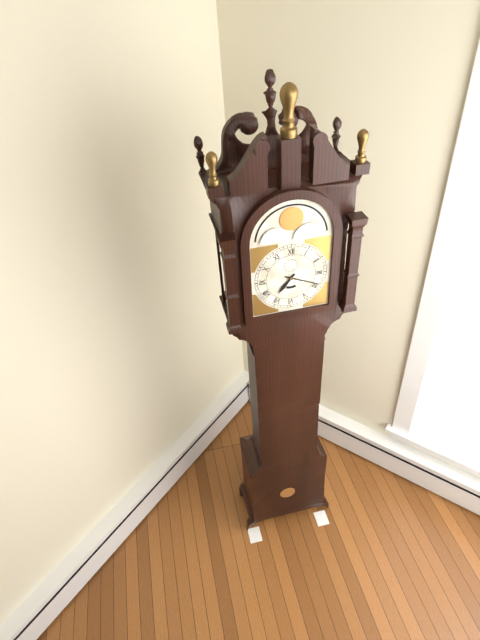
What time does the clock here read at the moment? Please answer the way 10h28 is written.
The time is 7h19
